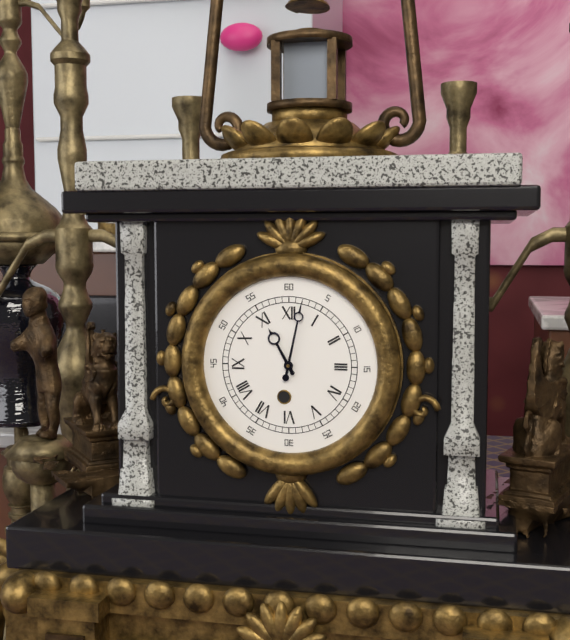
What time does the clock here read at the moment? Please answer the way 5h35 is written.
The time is 11h02
